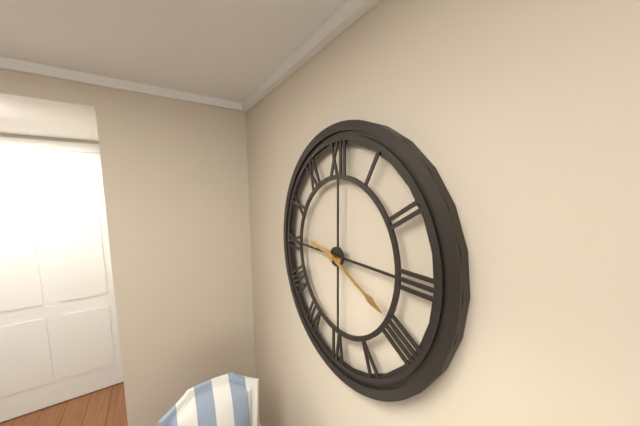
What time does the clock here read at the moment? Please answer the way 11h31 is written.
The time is 9h19
